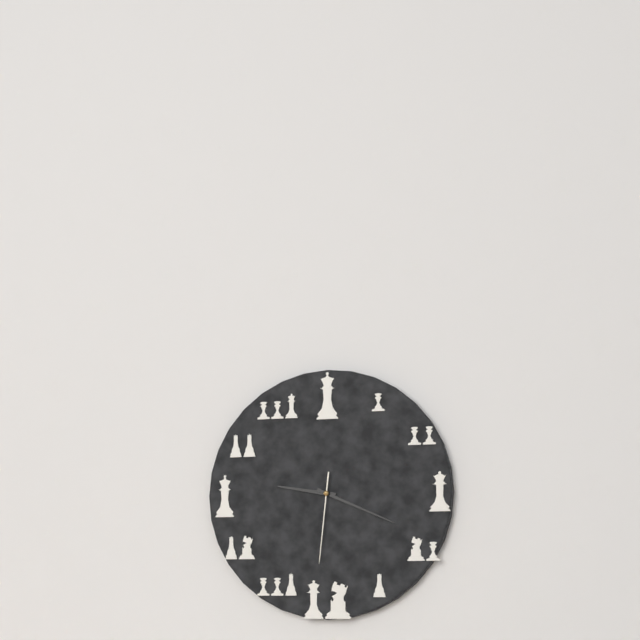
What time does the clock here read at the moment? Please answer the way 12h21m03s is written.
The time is 9h19m31s
